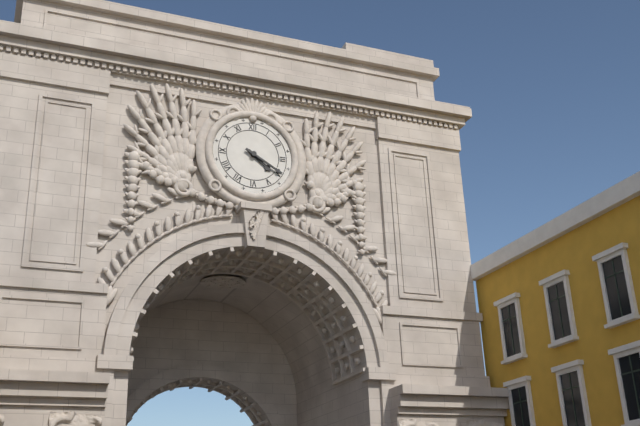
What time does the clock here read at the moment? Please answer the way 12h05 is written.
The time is 4h20
